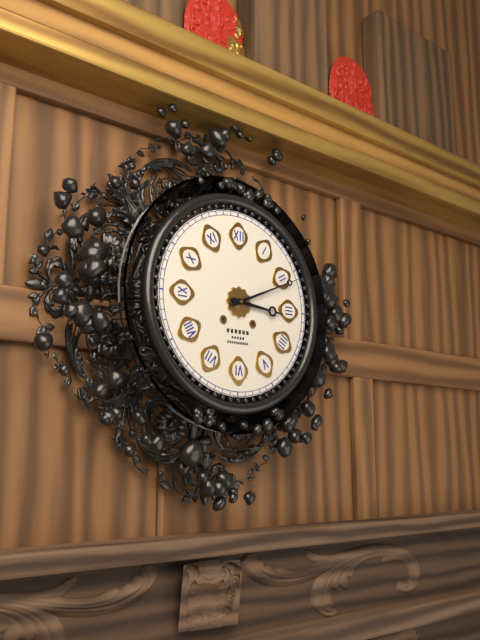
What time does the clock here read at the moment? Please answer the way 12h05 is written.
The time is 3h11
